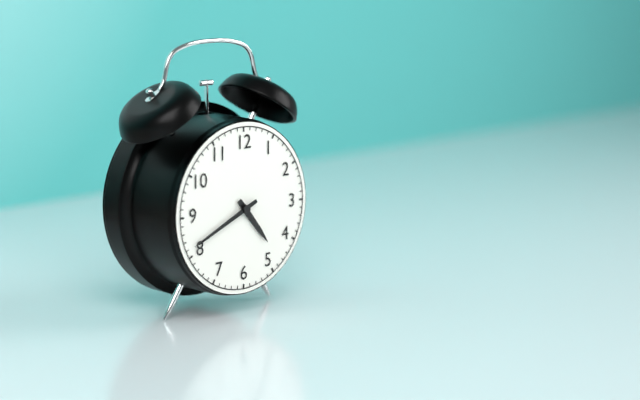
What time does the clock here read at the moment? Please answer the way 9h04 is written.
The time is 4h41
